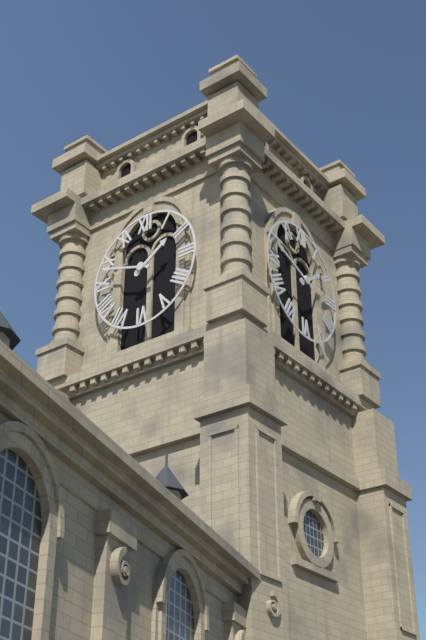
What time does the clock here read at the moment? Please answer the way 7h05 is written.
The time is 1h48
